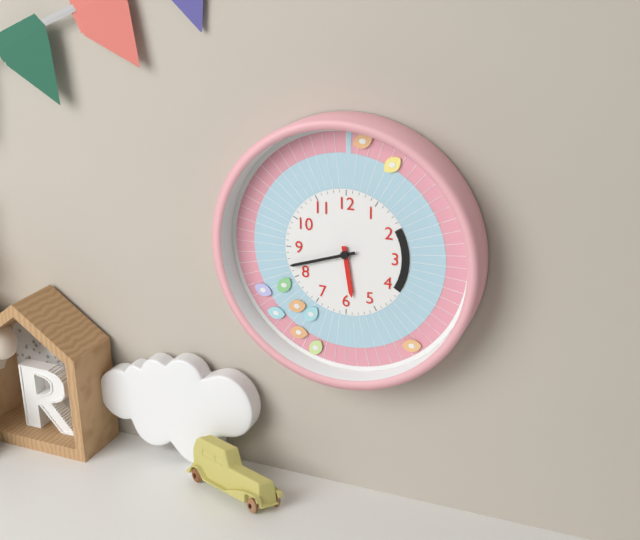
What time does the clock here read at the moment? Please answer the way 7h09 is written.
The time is 5h42
